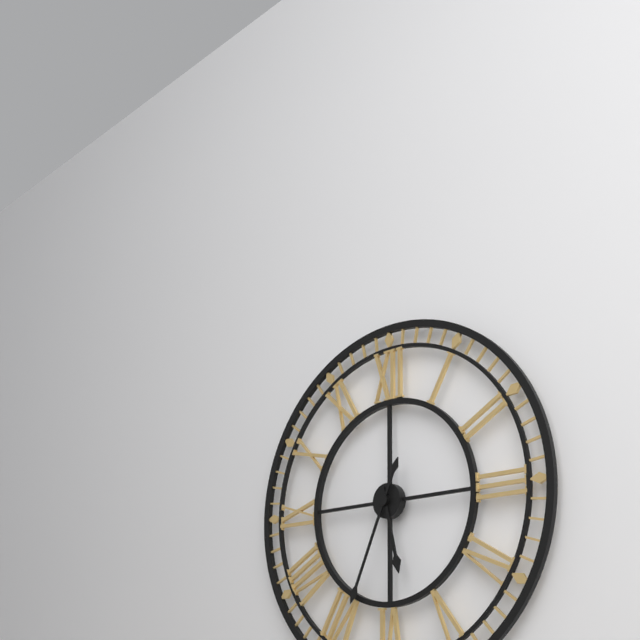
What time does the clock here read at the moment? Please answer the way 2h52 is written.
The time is 5h34
